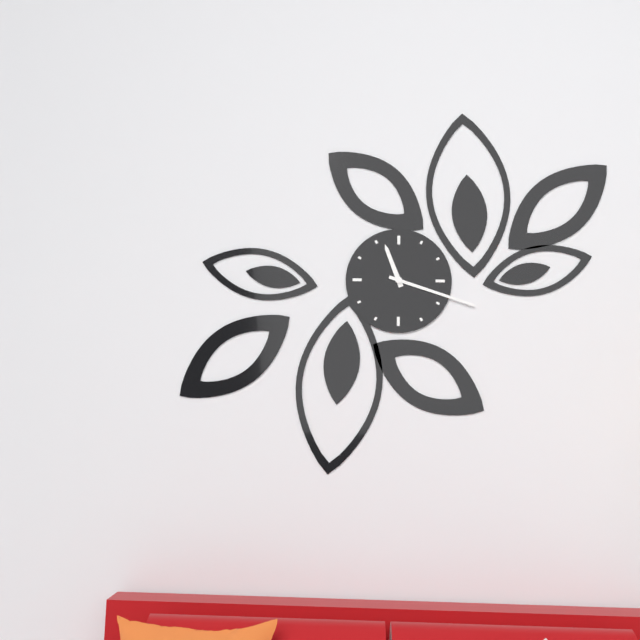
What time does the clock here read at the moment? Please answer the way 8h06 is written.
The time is 11h18
